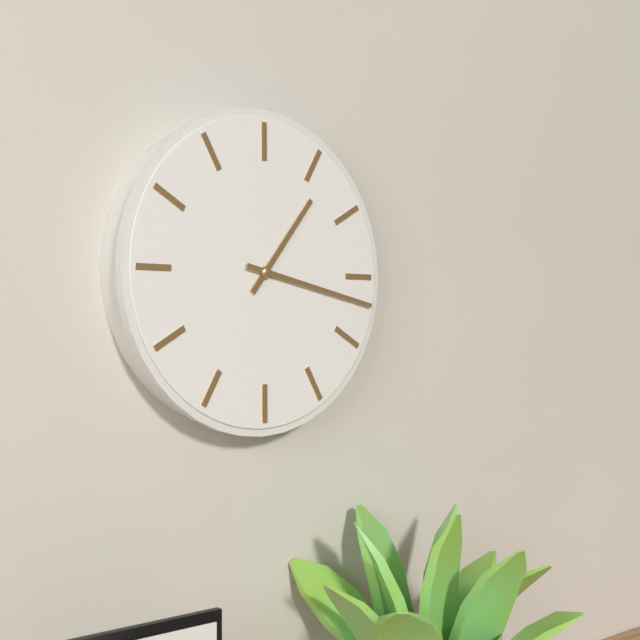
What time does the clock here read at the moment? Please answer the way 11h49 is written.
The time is 1h17
